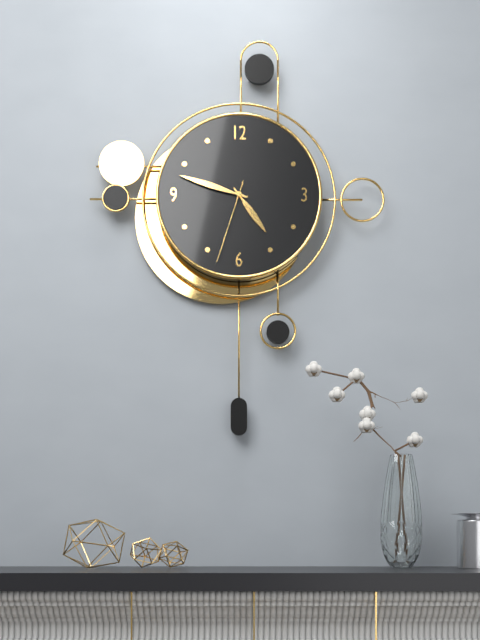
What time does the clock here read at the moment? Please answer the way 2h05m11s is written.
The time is 4h48m33s
